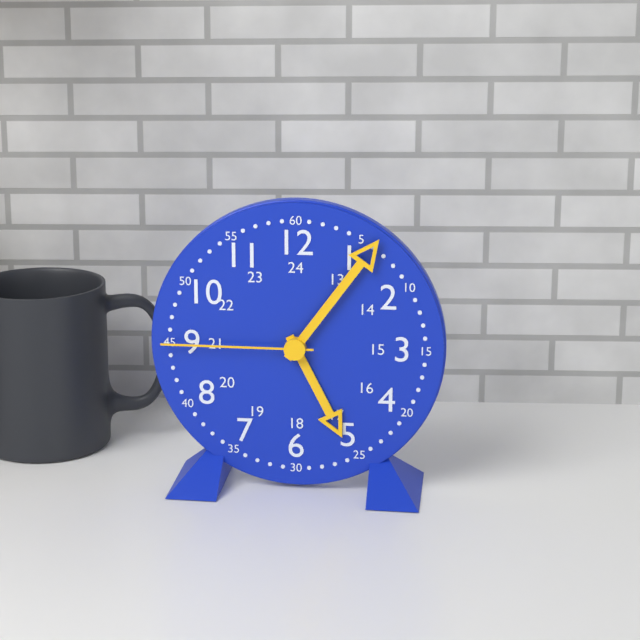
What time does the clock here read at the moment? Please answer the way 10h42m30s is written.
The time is 5h06m45s
